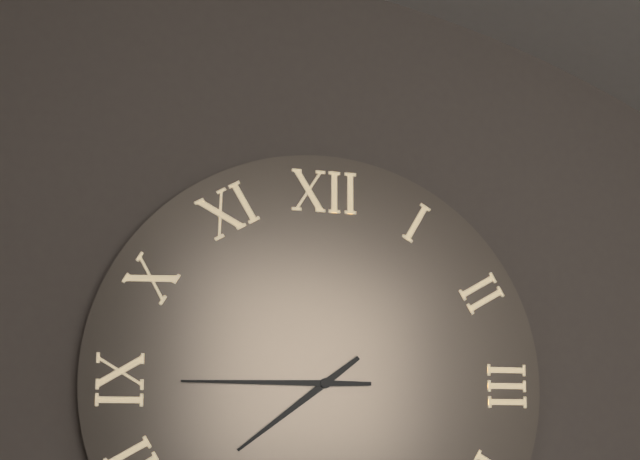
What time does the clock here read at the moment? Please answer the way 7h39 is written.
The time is 7h45
